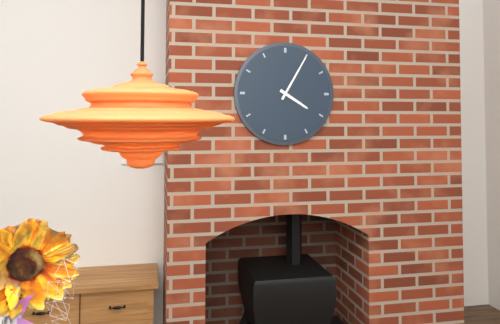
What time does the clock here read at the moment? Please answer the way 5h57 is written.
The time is 4h05
